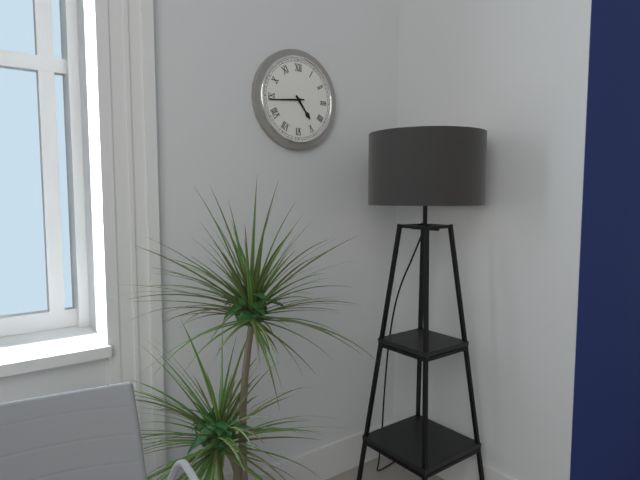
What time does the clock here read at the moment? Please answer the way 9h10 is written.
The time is 4h44
